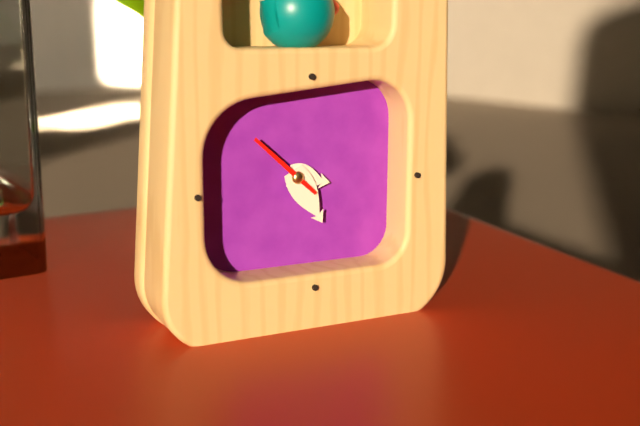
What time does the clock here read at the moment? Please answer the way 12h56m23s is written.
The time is 3h25m52s
